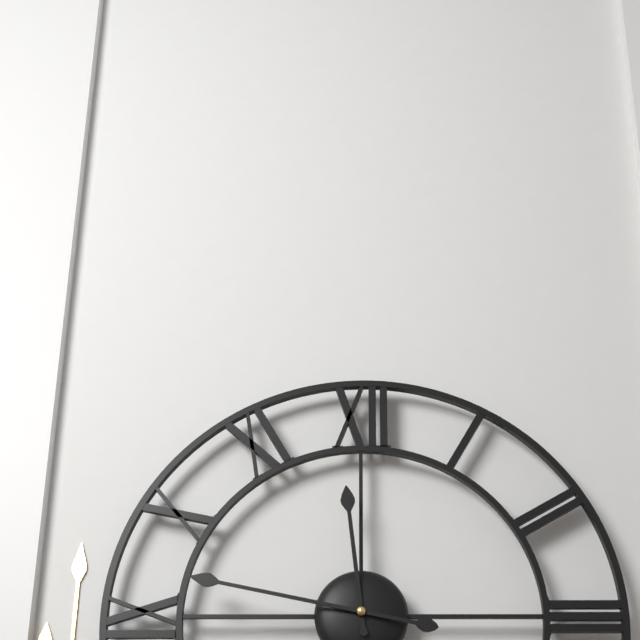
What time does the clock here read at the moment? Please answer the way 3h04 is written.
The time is 11h47
